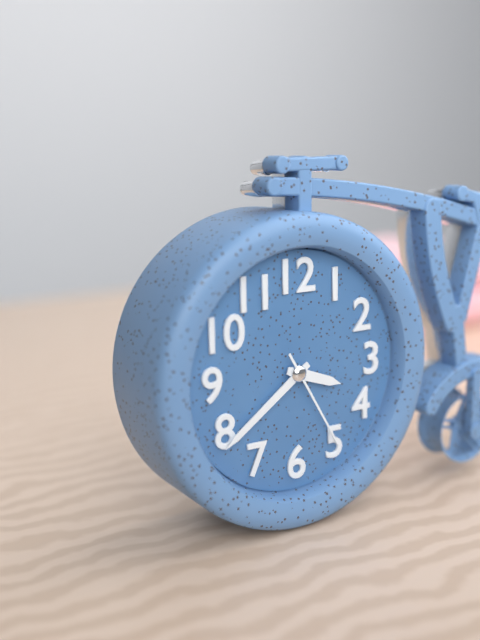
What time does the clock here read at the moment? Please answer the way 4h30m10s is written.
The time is 3h39m25s
